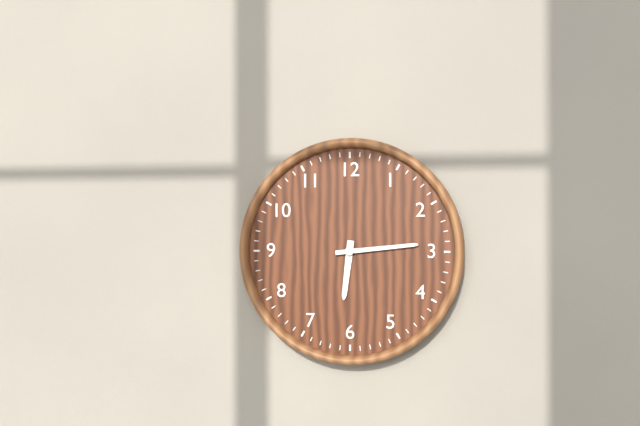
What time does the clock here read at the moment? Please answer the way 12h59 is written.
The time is 6h14
